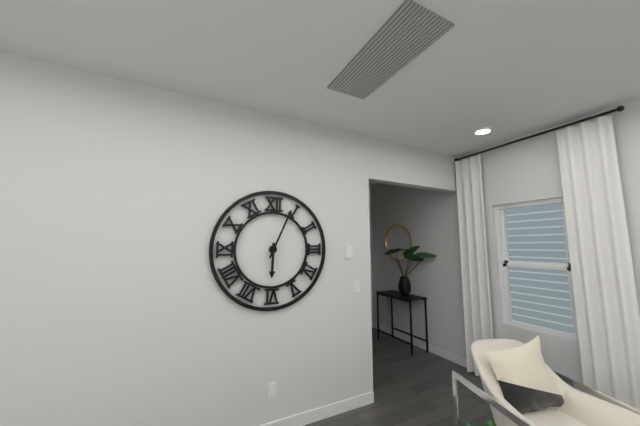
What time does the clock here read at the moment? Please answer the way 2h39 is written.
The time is 6h04
